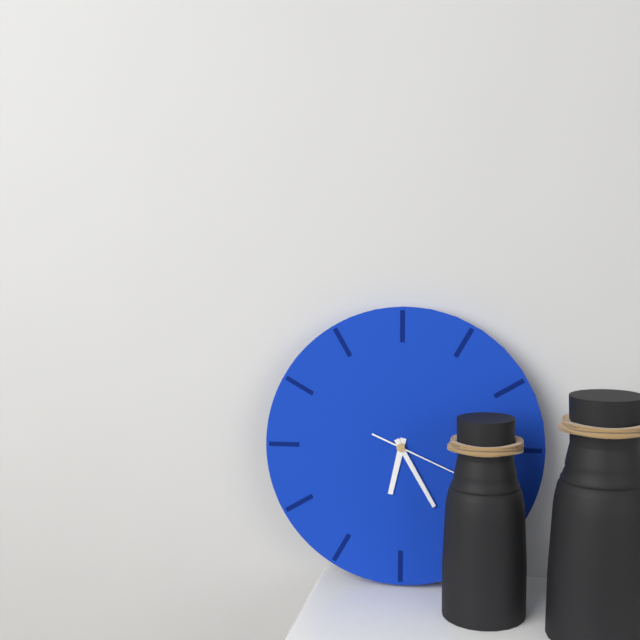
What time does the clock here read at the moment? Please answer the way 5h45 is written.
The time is 6h25
